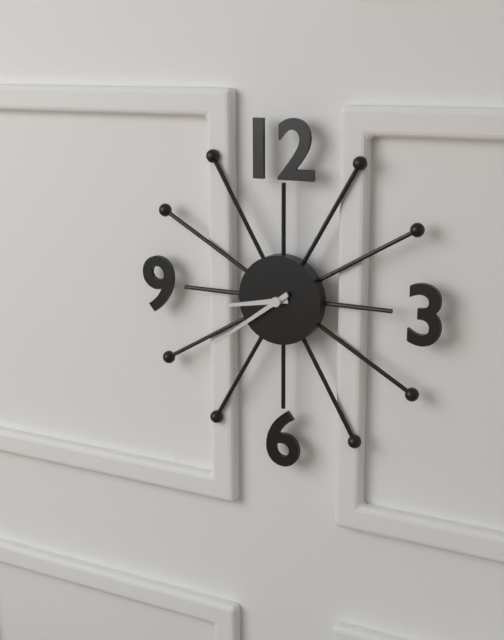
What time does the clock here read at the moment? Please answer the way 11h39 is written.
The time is 8h39
